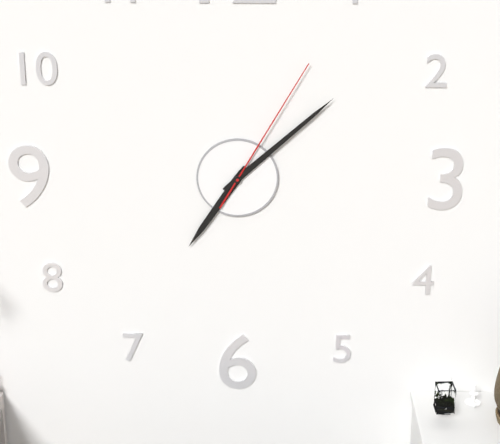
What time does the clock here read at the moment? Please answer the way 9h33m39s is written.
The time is 7h08m05s
